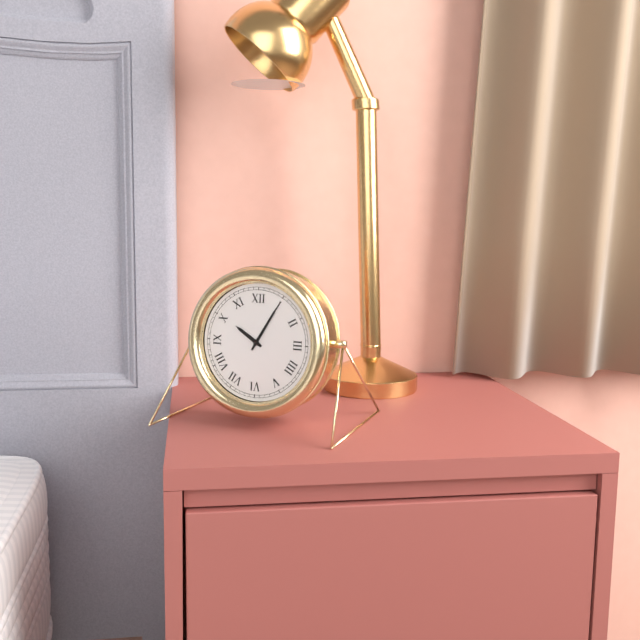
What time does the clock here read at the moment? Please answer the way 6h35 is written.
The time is 10h05
